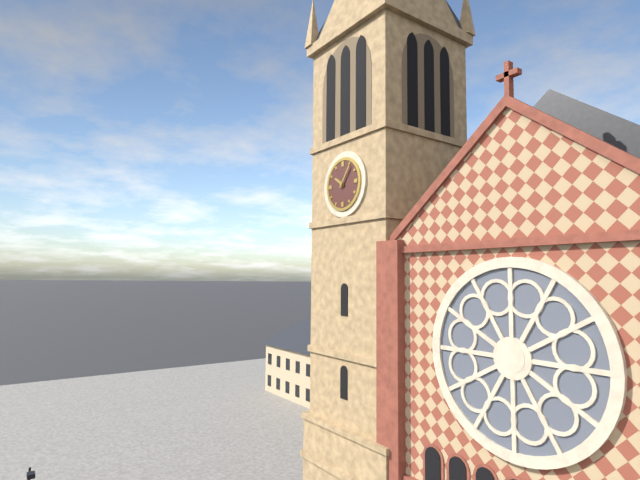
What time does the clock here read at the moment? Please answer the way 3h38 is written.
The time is 10h06
